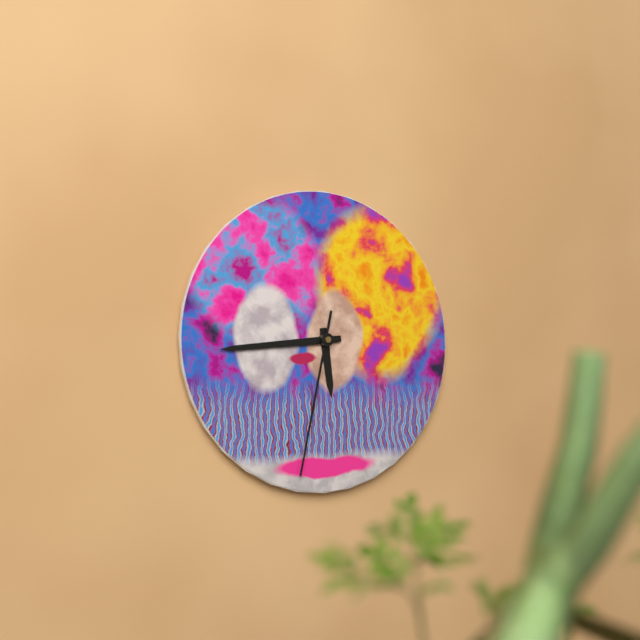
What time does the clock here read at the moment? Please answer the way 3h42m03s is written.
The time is 5h44m32s
